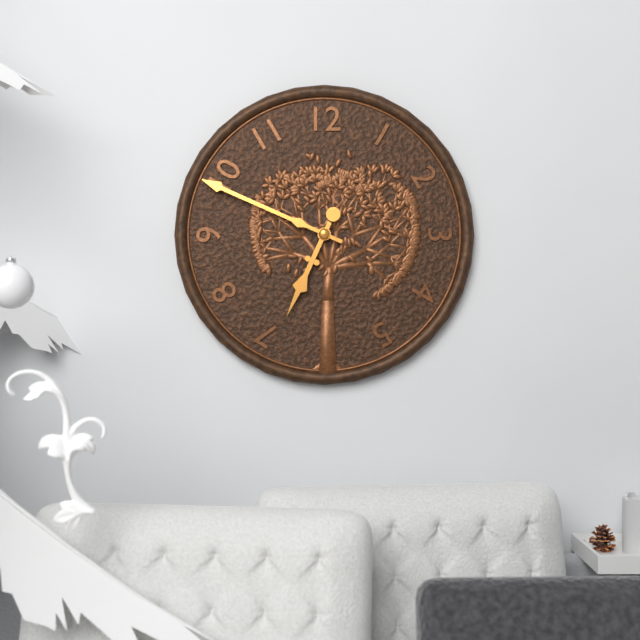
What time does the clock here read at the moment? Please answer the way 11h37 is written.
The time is 6h49
